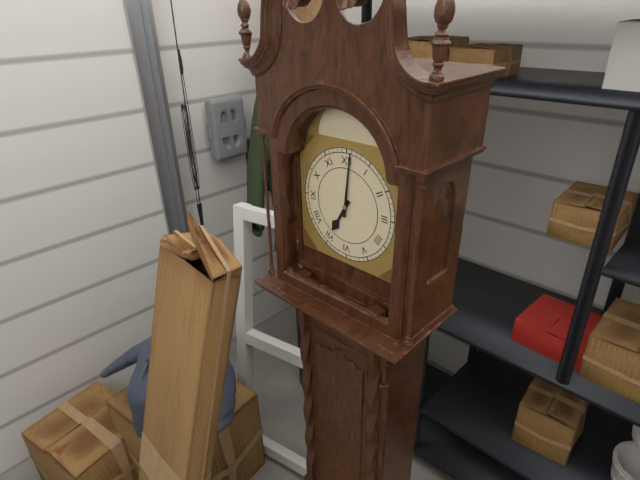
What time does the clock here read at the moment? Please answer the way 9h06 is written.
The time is 7h01
